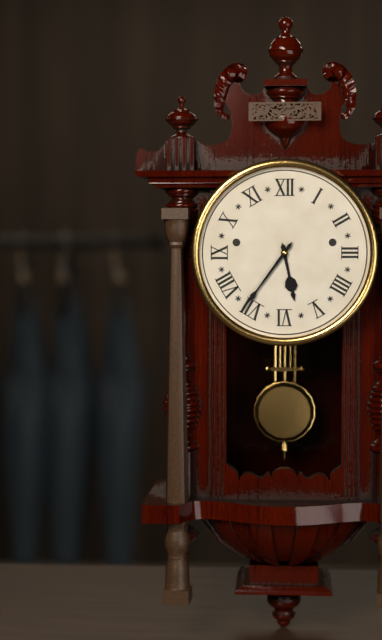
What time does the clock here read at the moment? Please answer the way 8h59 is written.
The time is 5h36
